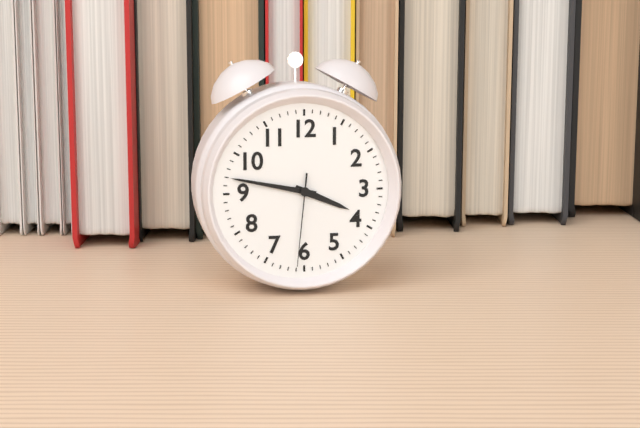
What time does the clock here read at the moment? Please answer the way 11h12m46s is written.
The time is 3h47m31s
